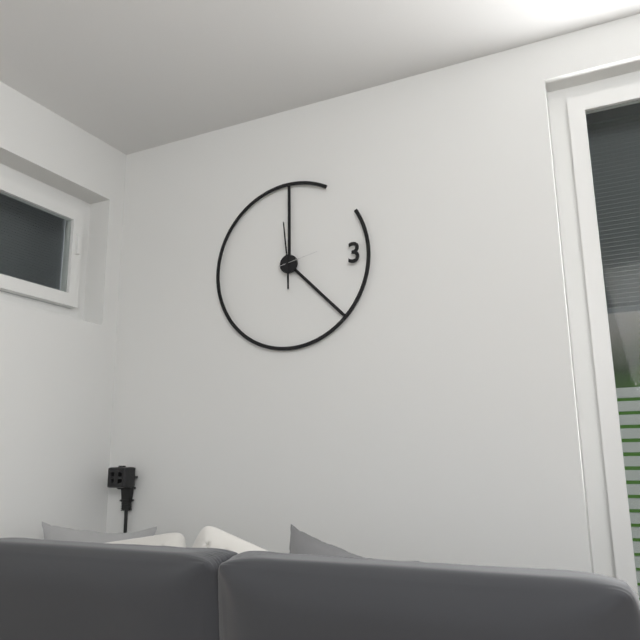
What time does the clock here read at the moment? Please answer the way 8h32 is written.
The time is 5h59
